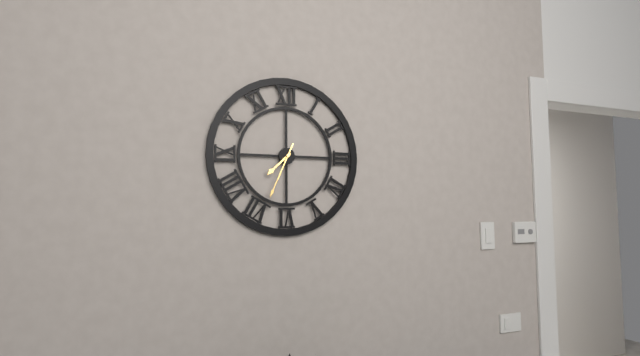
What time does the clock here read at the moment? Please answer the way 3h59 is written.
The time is 7h34
